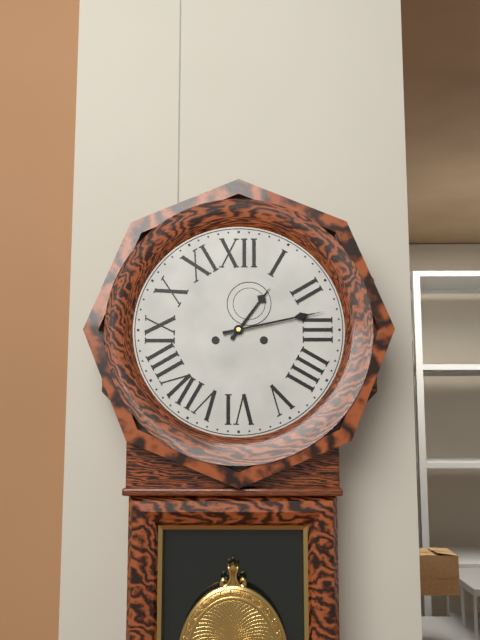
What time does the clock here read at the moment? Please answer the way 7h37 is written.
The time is 1h13
